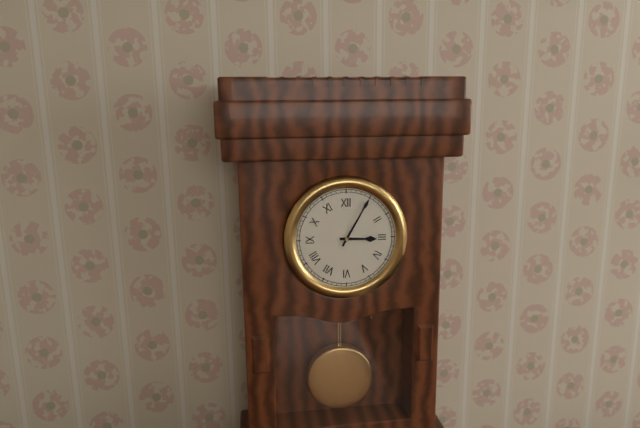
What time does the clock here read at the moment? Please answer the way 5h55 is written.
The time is 3h05
